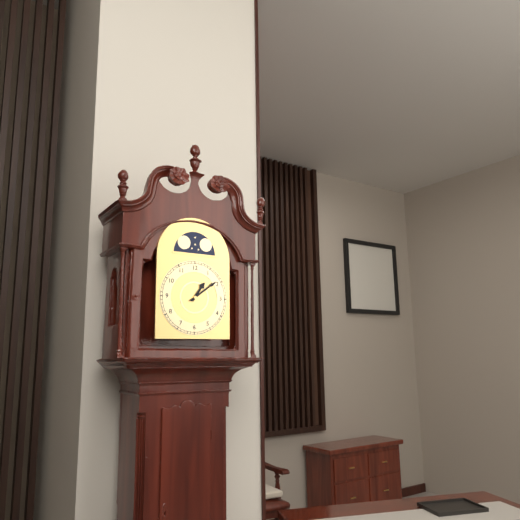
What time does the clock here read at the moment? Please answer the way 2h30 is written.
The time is 1h09
